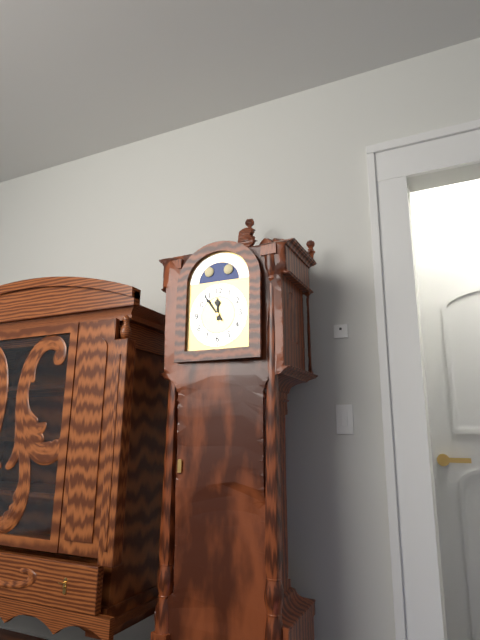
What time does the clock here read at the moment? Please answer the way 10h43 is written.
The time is 11h54
